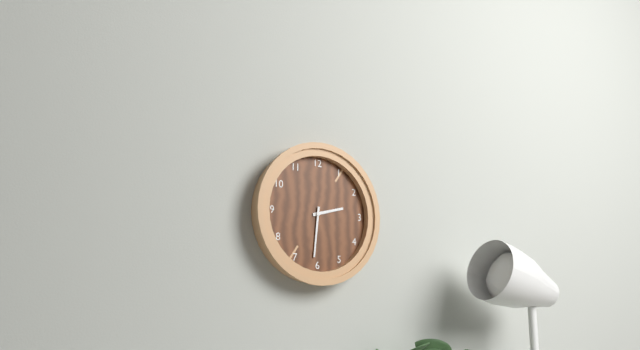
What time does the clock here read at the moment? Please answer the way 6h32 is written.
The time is 2h31
